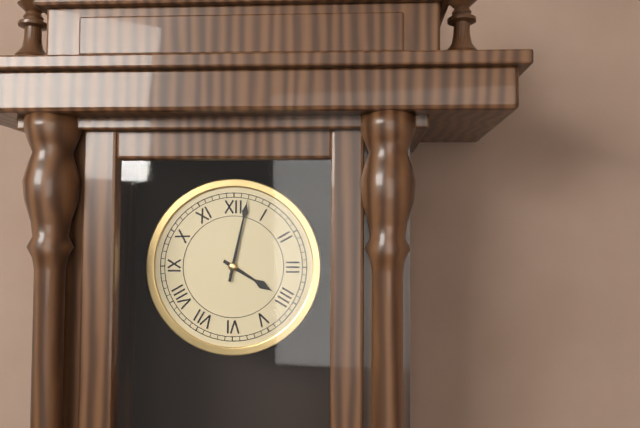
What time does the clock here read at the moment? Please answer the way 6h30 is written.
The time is 4h02
